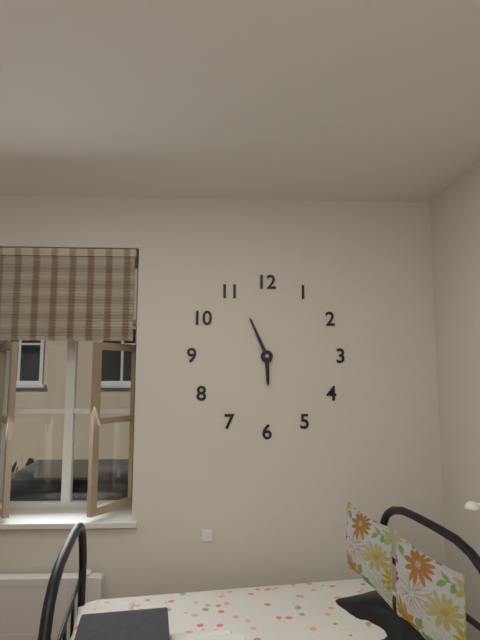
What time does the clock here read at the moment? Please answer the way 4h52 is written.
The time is 5h56
